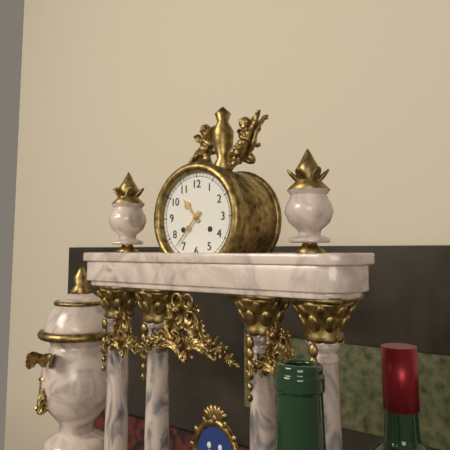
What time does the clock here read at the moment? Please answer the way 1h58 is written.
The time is 10h37
